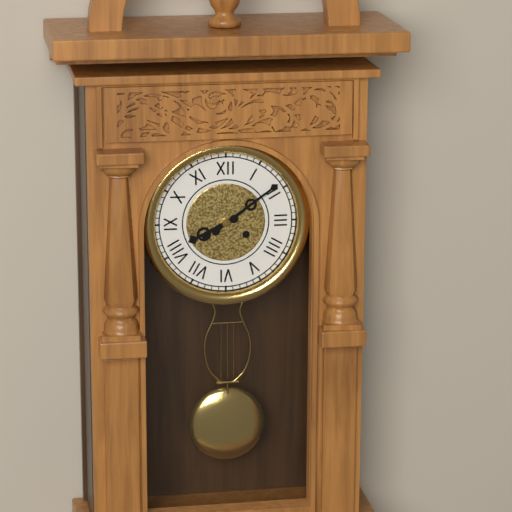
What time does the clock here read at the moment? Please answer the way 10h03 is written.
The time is 8h09
